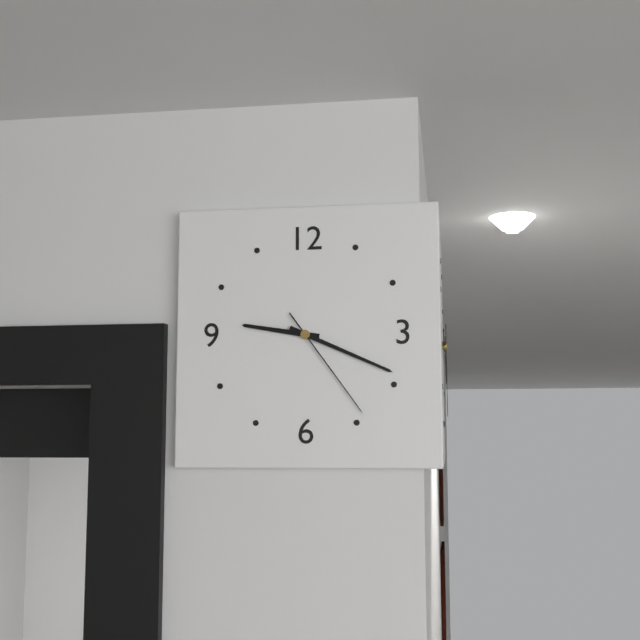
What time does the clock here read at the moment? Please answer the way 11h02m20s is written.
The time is 9h19m24s
